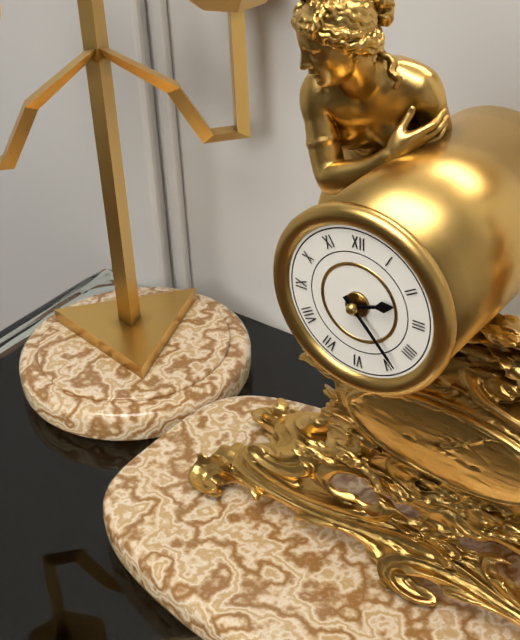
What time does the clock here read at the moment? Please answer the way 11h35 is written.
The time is 2h23
